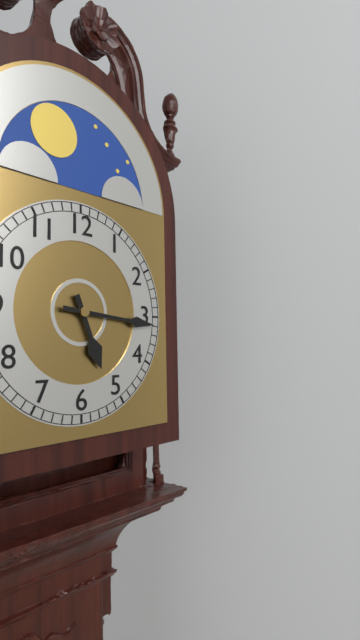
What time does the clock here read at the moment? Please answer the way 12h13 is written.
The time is 5h16
